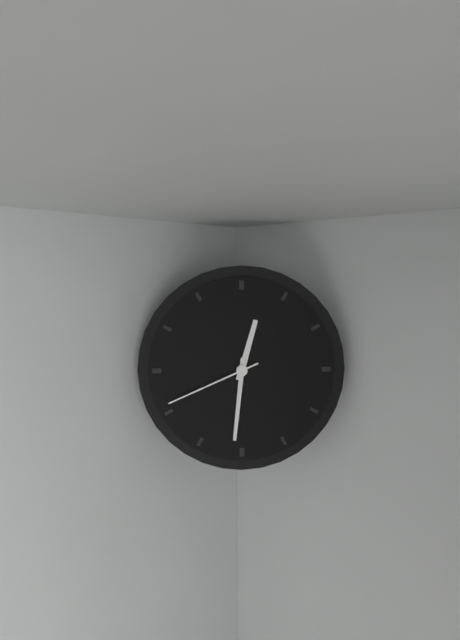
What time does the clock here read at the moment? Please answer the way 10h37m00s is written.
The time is 12h31m41s
